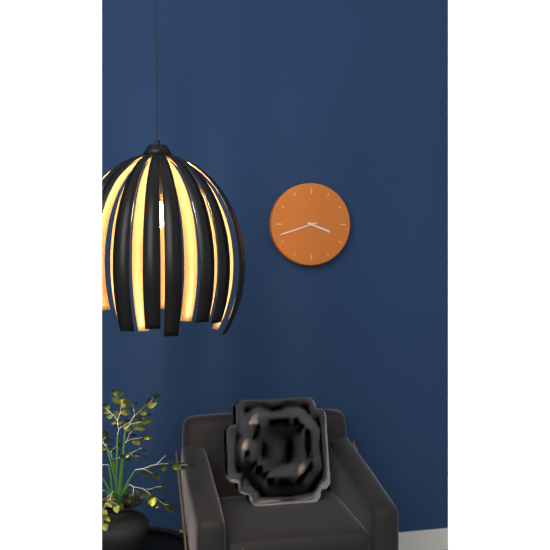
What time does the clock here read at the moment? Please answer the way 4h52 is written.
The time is 3h42
